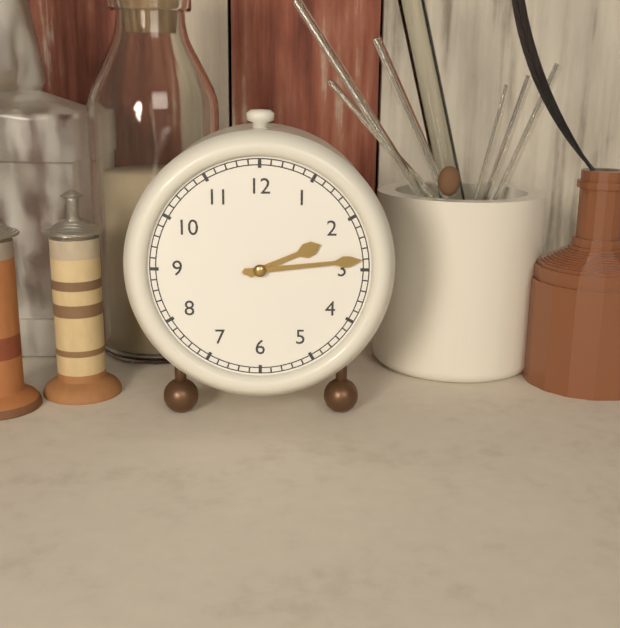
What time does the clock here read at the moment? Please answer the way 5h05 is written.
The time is 2h14
